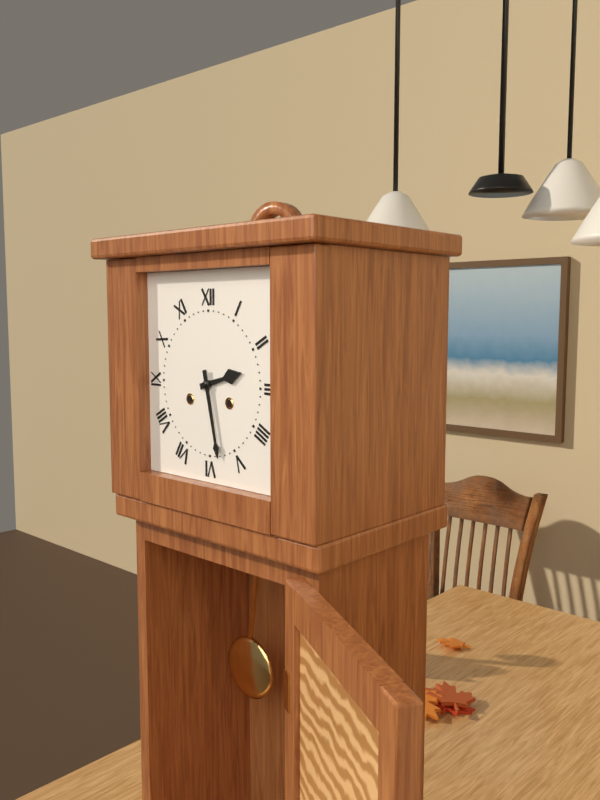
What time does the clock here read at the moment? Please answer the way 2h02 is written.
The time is 2h28
